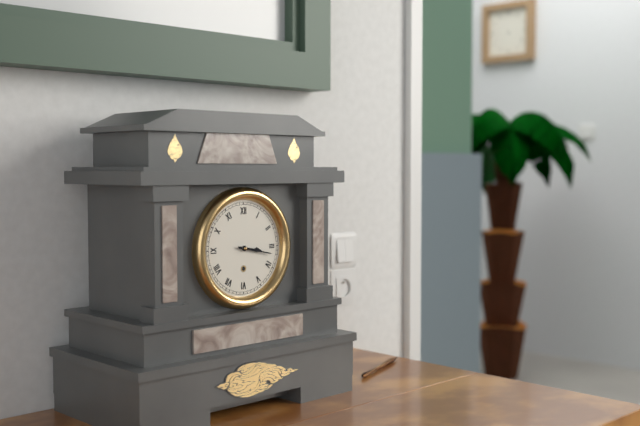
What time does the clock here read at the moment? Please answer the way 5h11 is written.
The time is 3h17
